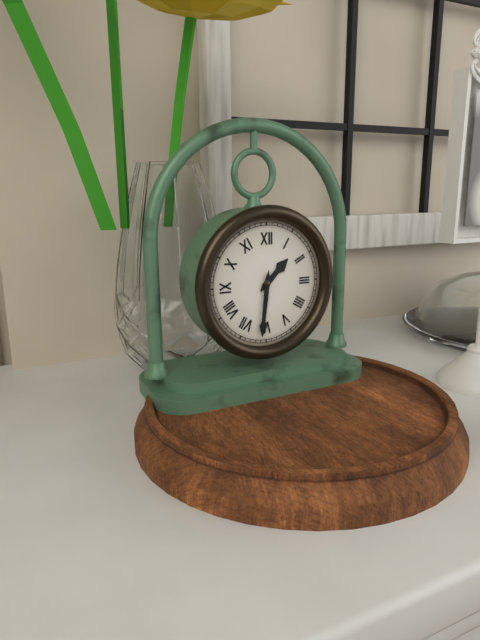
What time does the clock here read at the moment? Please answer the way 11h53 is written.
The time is 1h31
